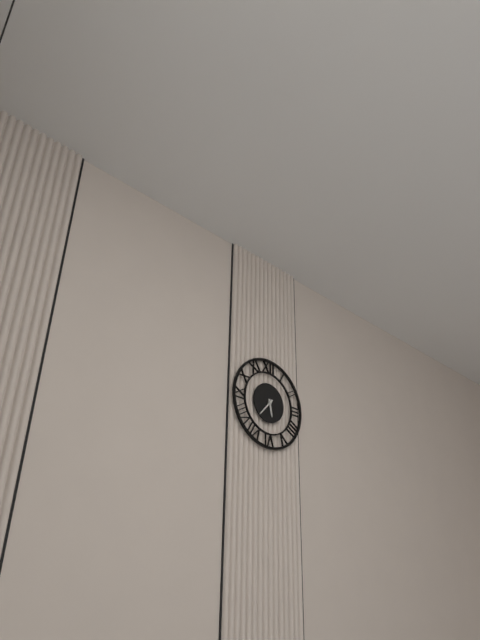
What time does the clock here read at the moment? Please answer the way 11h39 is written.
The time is 5h37
